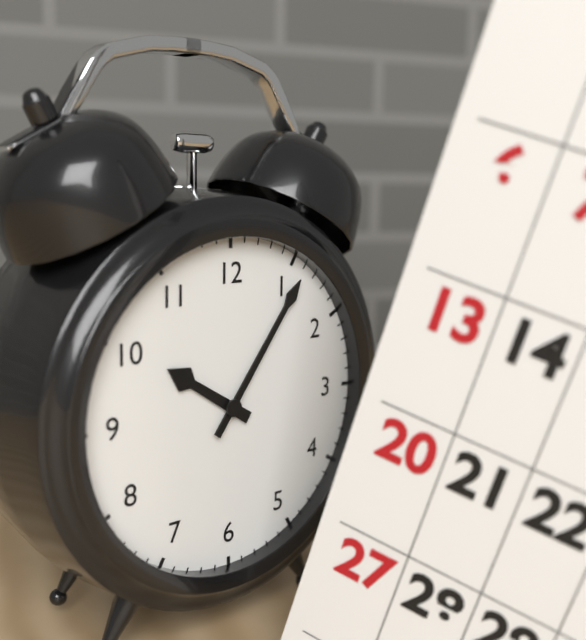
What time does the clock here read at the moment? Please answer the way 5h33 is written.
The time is 10h06
